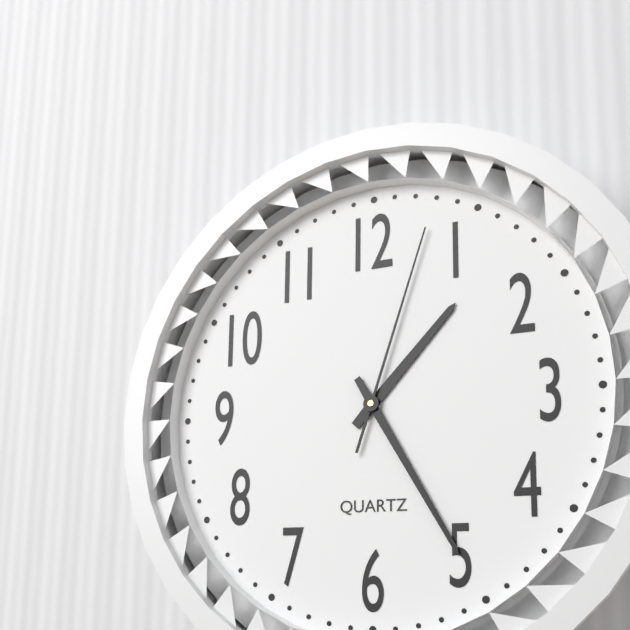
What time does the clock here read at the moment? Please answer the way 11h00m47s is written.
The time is 1h25m03s
